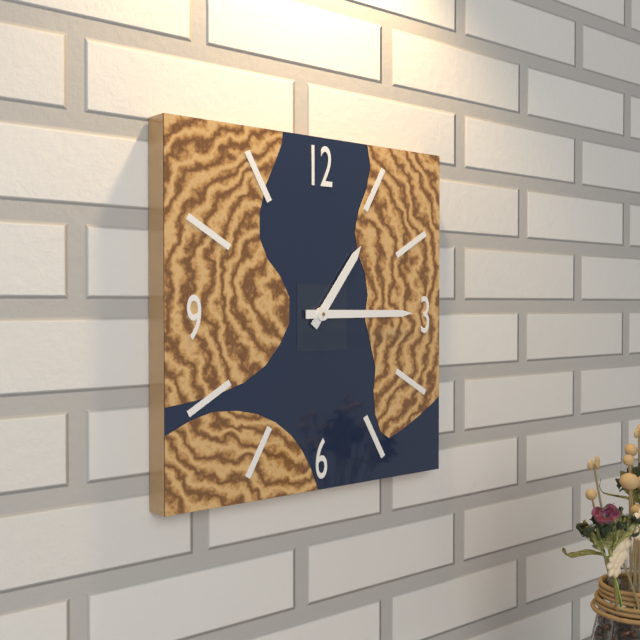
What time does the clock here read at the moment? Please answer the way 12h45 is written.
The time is 1h15
